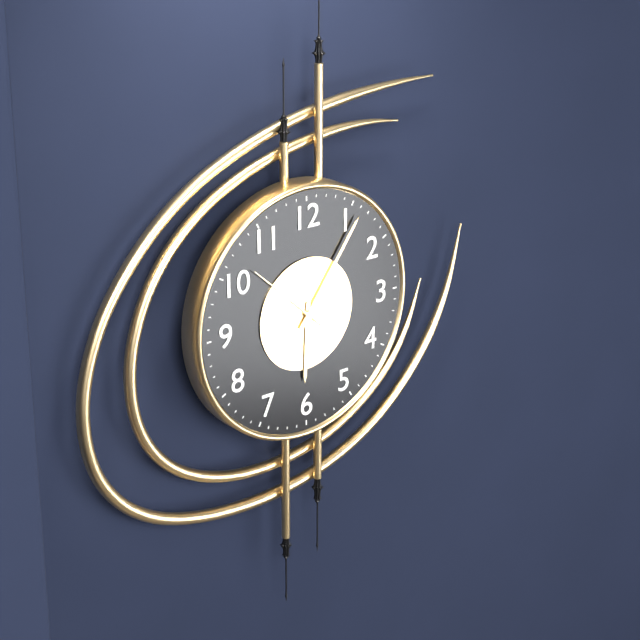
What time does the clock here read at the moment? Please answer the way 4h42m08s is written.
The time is 6h06m52s
